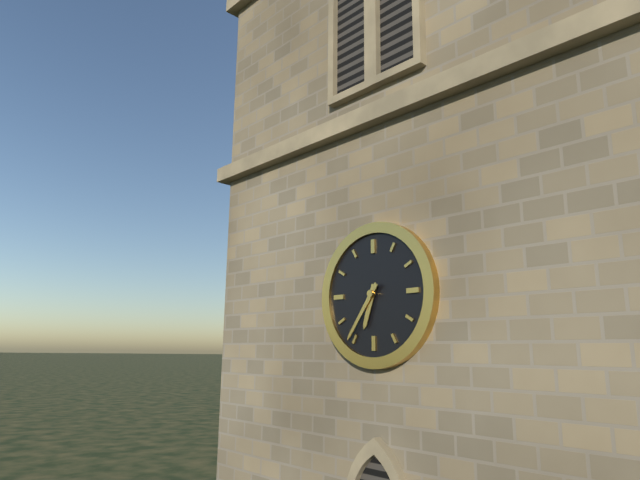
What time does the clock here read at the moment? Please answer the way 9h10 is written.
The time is 6h36
